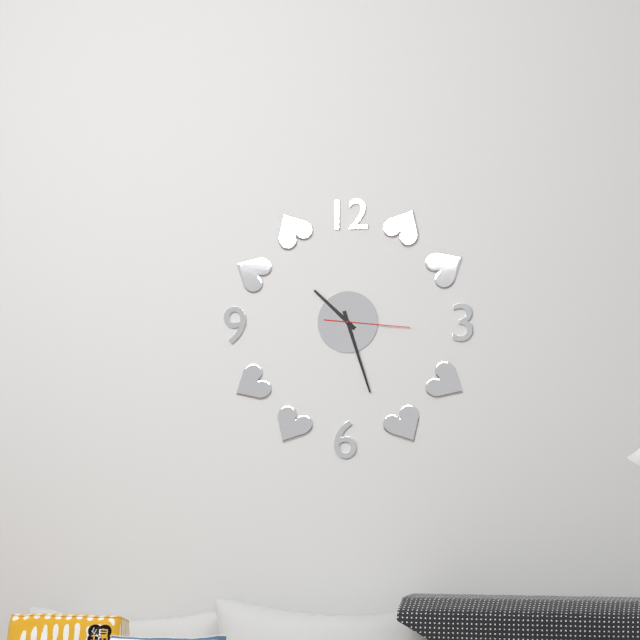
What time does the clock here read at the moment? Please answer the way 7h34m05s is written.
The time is 10h27m16s
